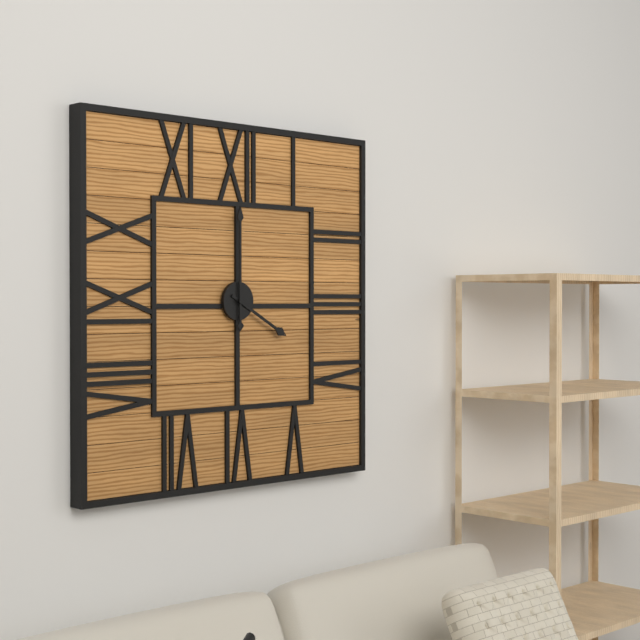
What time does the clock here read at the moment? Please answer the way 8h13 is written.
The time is 4h00
